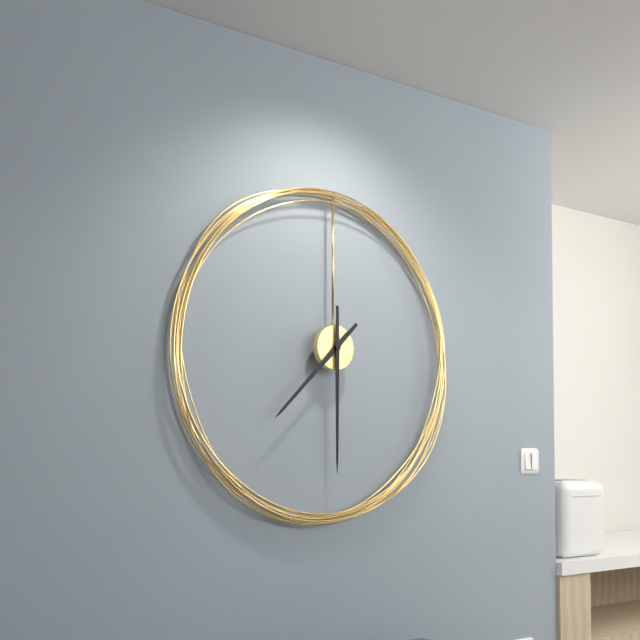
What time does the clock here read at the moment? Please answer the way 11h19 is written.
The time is 7h30
